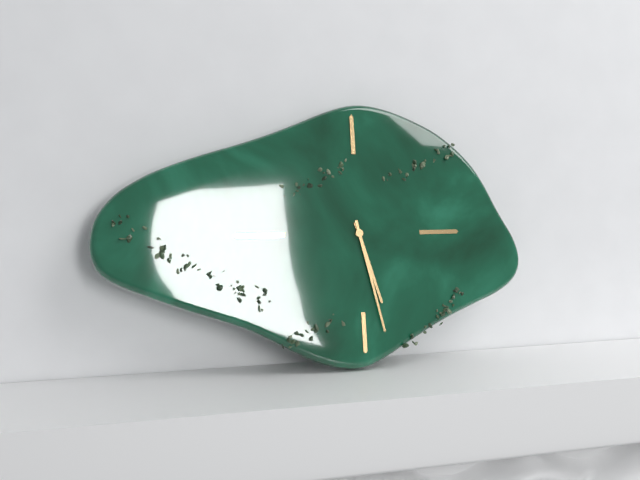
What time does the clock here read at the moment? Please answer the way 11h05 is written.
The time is 5h28
